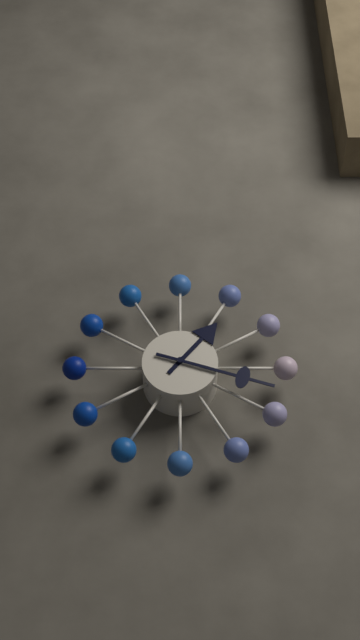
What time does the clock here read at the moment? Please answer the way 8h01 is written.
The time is 1h18
